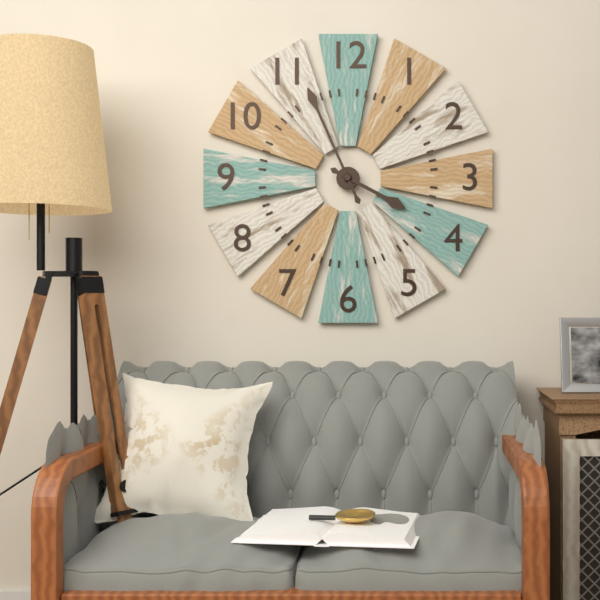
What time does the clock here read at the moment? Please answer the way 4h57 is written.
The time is 3h56
